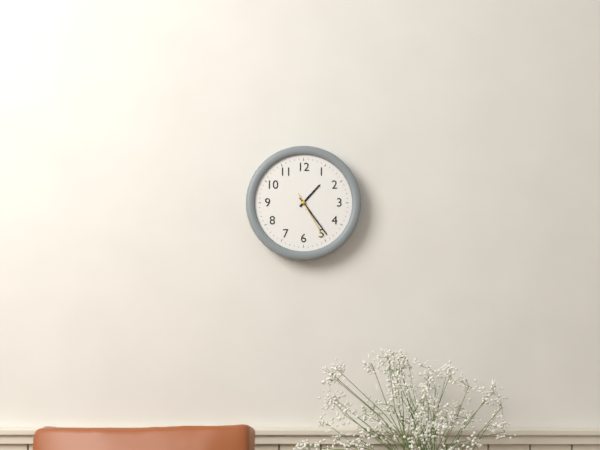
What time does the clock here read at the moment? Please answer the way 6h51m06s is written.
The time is 1h24m25s
